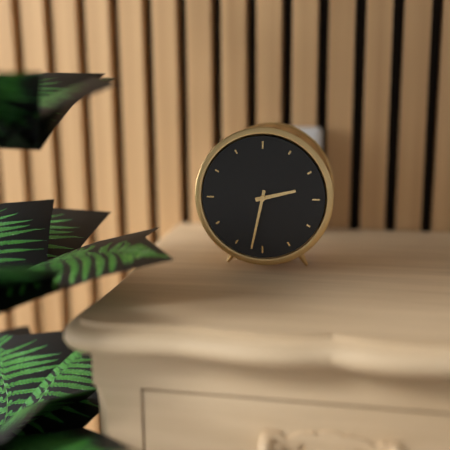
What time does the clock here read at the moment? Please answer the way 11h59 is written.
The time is 2h32
